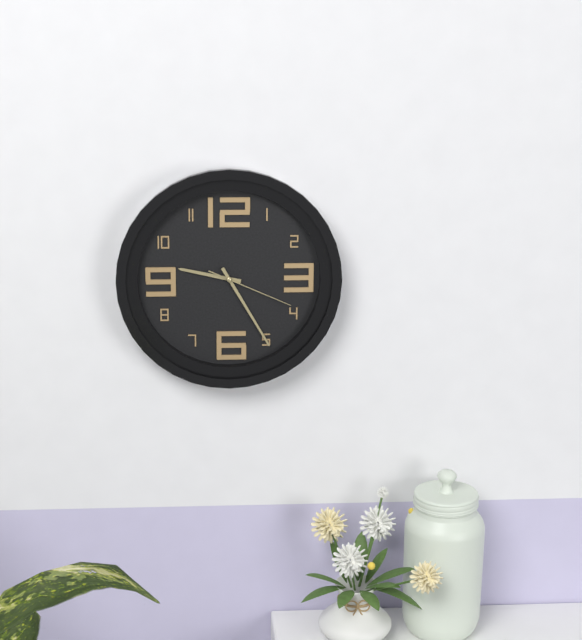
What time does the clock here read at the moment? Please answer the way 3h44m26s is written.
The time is 9h25m19s
